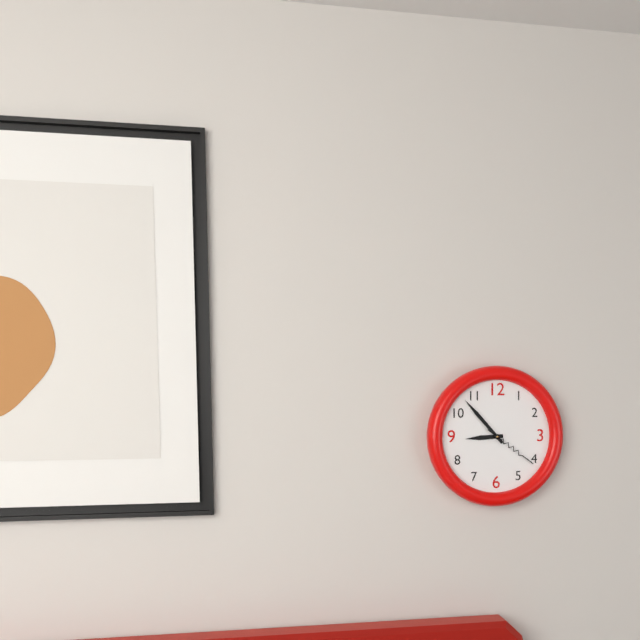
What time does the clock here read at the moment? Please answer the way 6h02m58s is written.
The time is 8h53m21s
